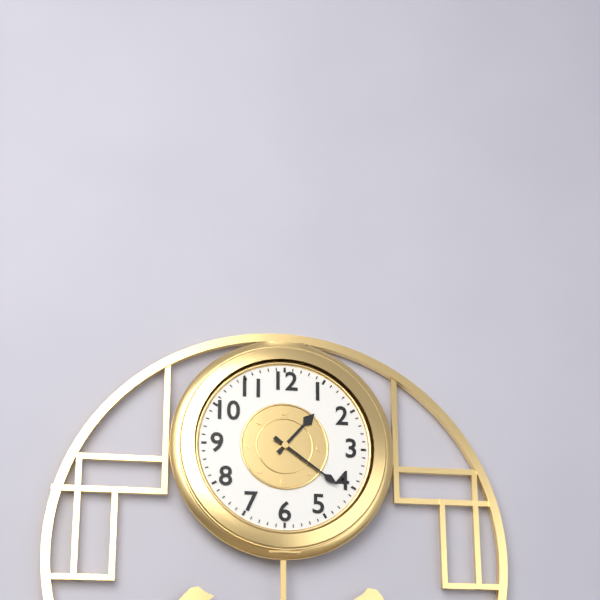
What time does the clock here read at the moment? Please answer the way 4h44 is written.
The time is 1h21
